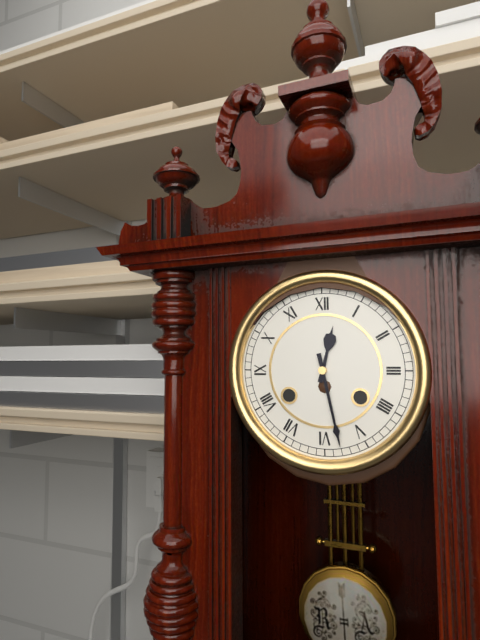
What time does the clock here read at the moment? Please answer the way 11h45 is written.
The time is 12h28
